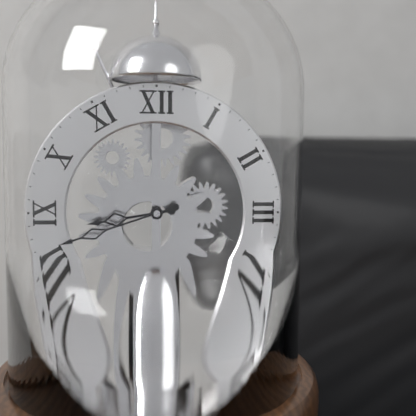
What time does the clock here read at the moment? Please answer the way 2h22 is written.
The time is 8h42
